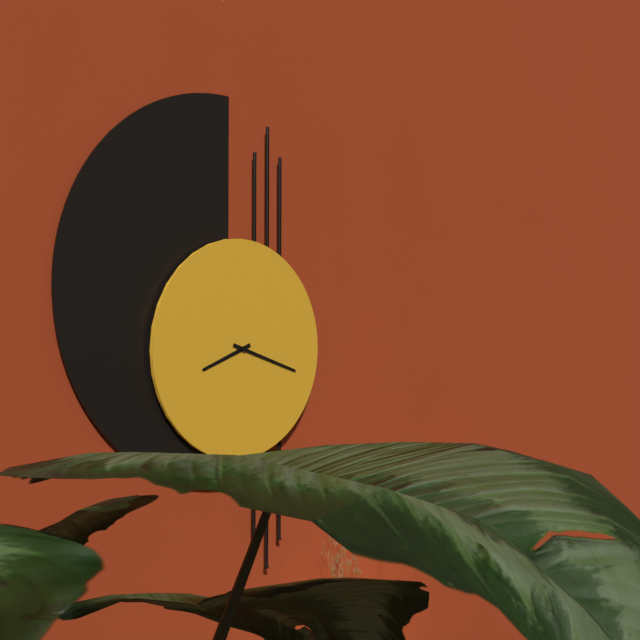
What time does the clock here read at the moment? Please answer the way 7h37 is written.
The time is 8h18
